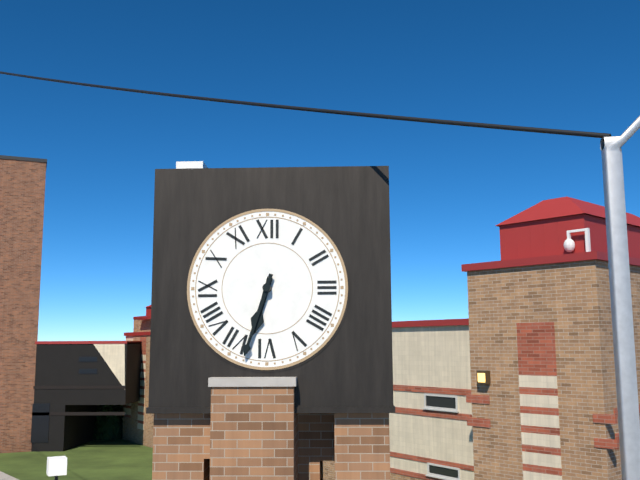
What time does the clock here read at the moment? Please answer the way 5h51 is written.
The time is 6h33
